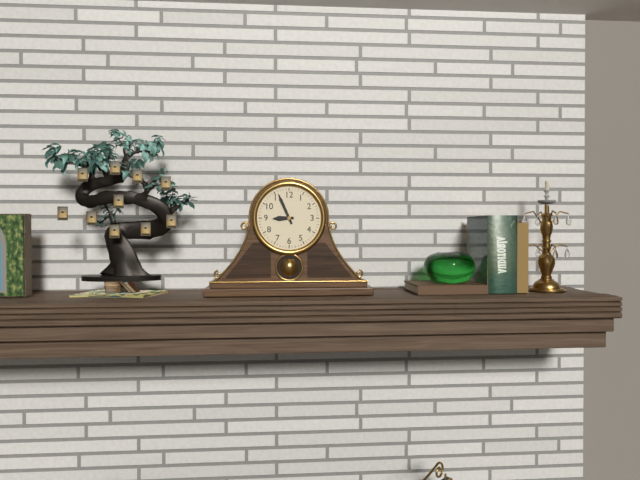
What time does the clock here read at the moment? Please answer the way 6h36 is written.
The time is 8h56
